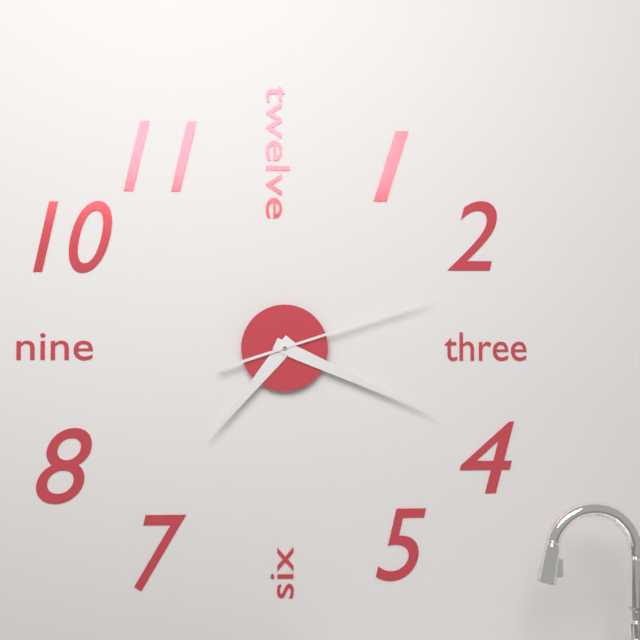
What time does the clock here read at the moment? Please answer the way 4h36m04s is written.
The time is 7h19m12s
